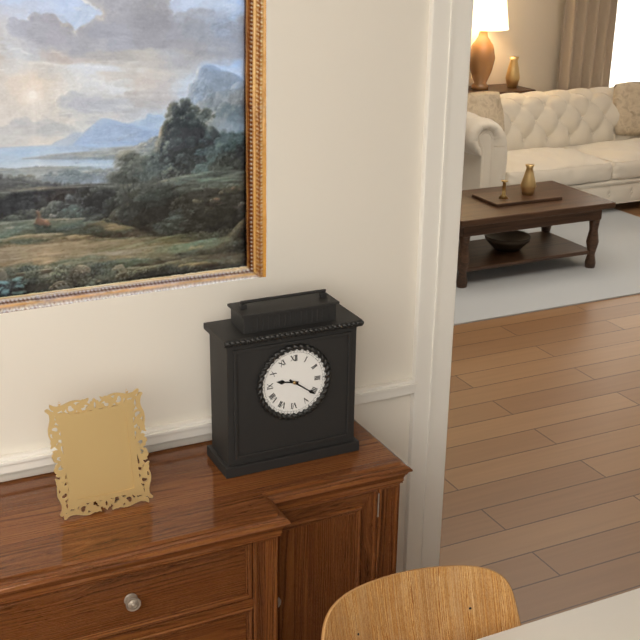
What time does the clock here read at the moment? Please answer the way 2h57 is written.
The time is 9h21
